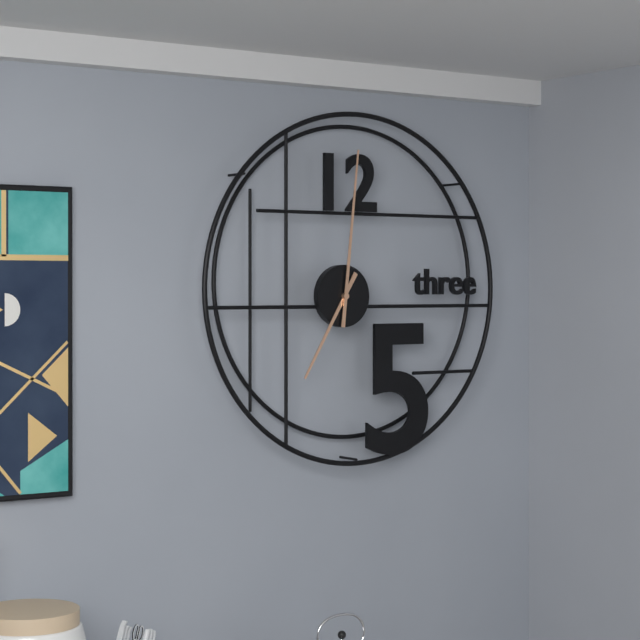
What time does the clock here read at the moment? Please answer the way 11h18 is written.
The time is 7h01
